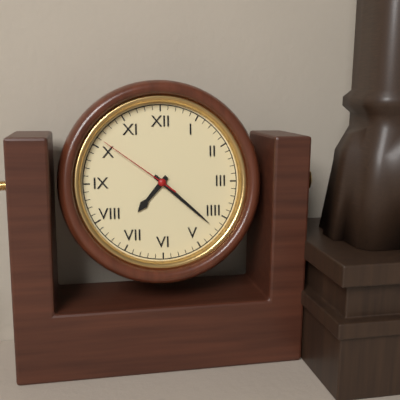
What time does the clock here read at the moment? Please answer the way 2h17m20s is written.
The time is 7h22m51s
